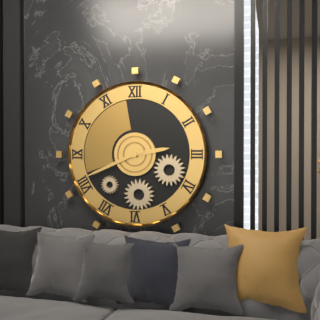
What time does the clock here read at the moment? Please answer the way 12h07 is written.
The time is 2h41
